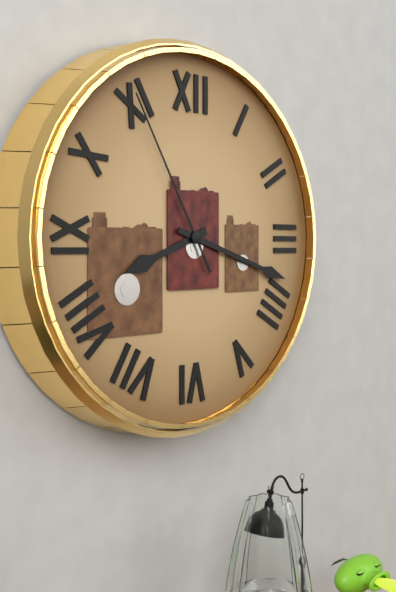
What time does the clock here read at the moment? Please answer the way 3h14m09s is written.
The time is 8h18m55s
